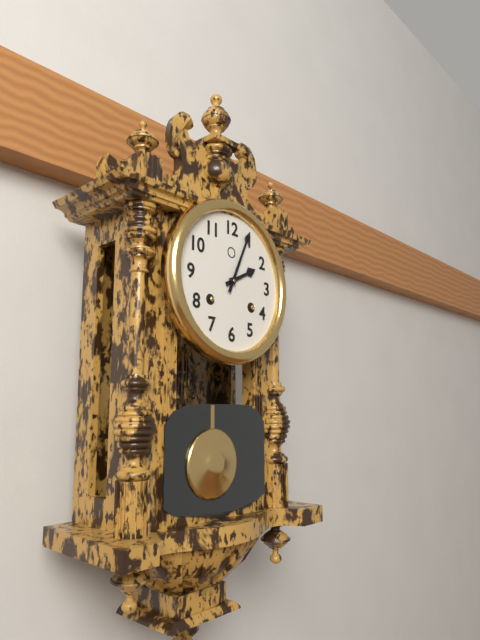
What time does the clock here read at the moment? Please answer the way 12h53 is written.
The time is 2h04
